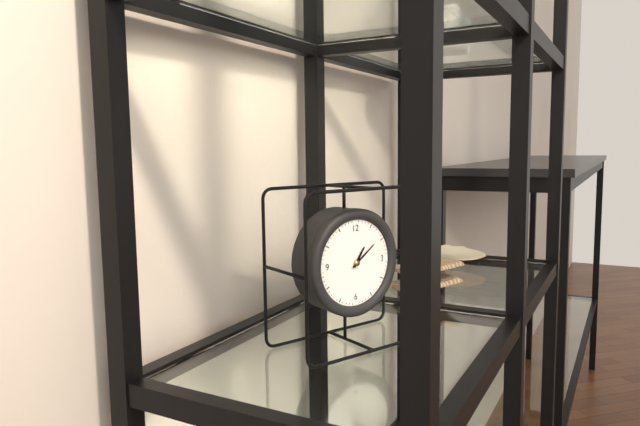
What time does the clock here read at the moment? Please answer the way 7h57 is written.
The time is 1h09
